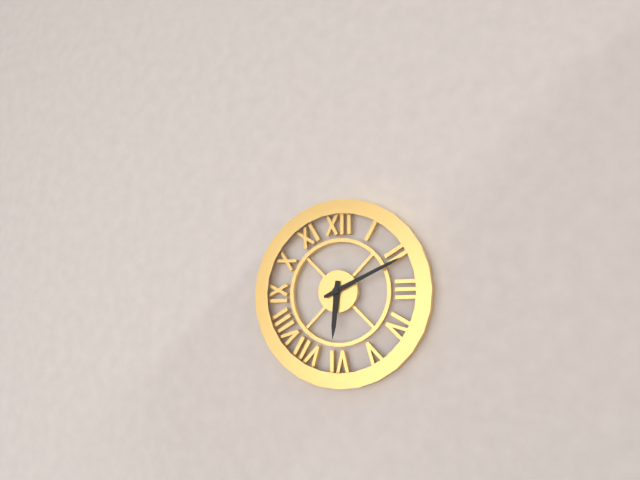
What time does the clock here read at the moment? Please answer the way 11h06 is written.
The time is 6h11
